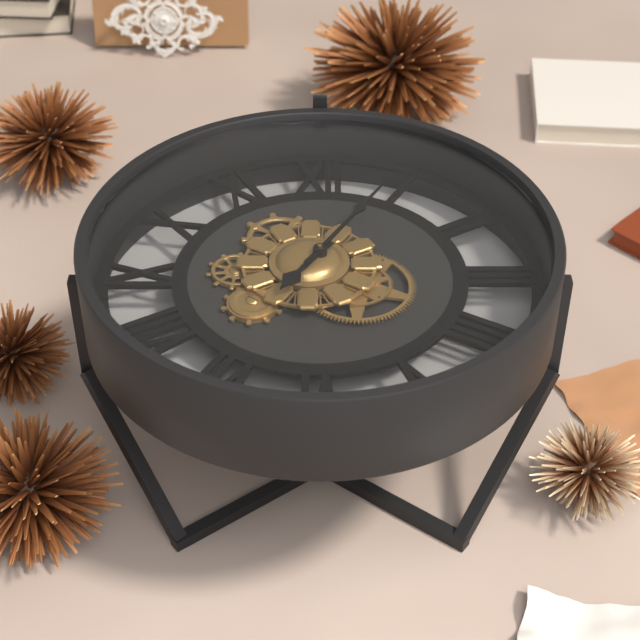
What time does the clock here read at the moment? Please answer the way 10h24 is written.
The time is 7h05
